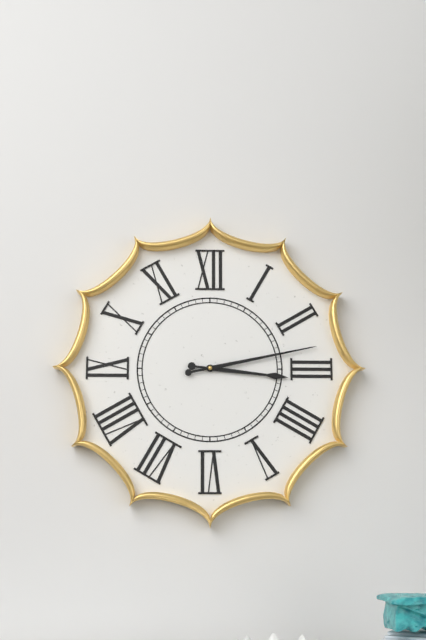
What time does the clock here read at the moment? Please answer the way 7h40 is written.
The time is 3h13
